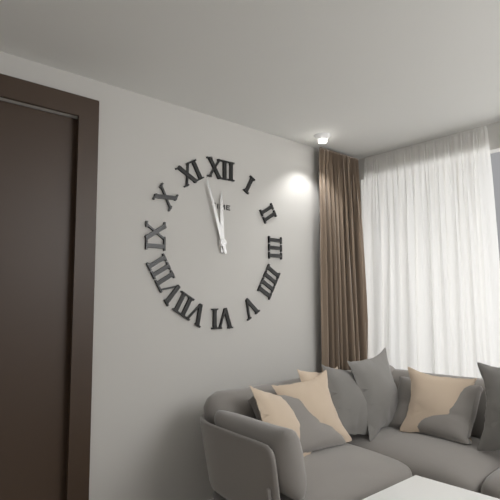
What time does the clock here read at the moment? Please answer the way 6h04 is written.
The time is 11h57
